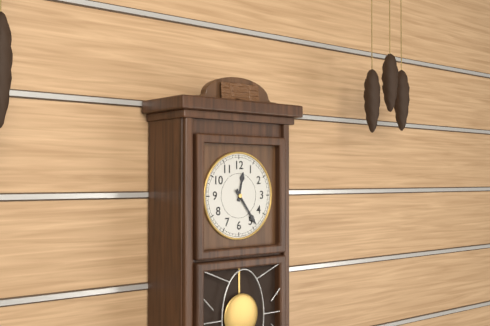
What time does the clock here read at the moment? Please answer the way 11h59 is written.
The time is 12h24
